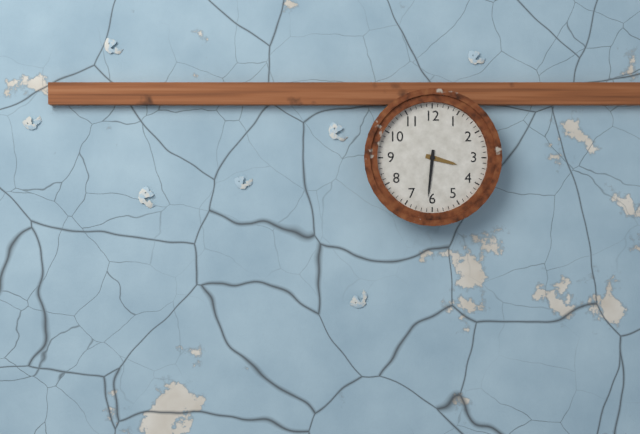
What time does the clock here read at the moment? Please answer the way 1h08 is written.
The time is 3h31
